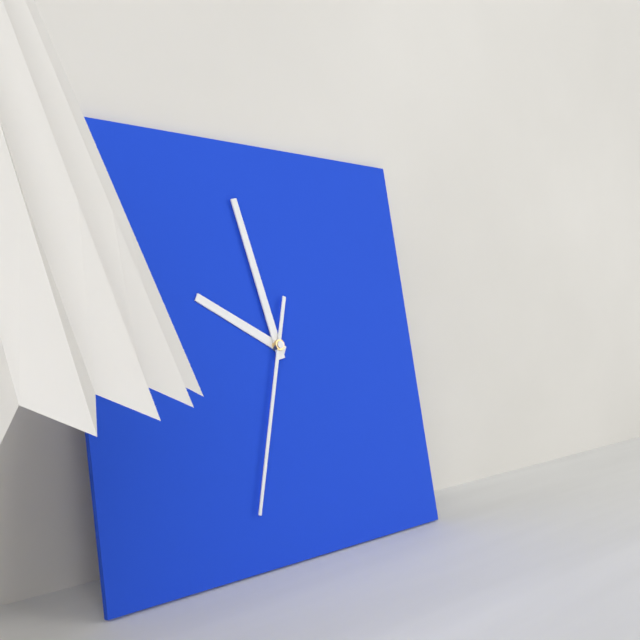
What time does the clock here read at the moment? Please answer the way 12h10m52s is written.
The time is 9h58m33s
